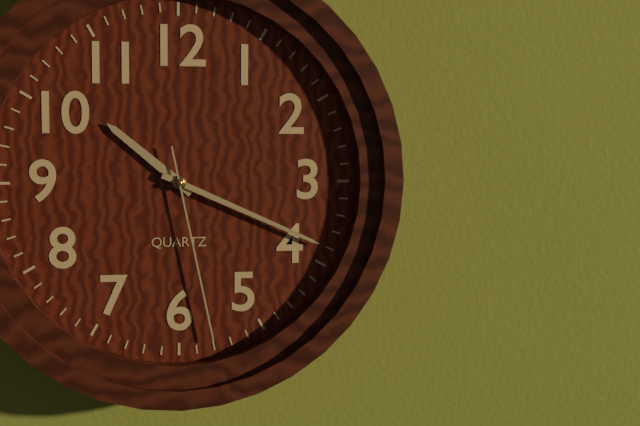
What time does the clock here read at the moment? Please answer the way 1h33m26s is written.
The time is 10h19m28s
